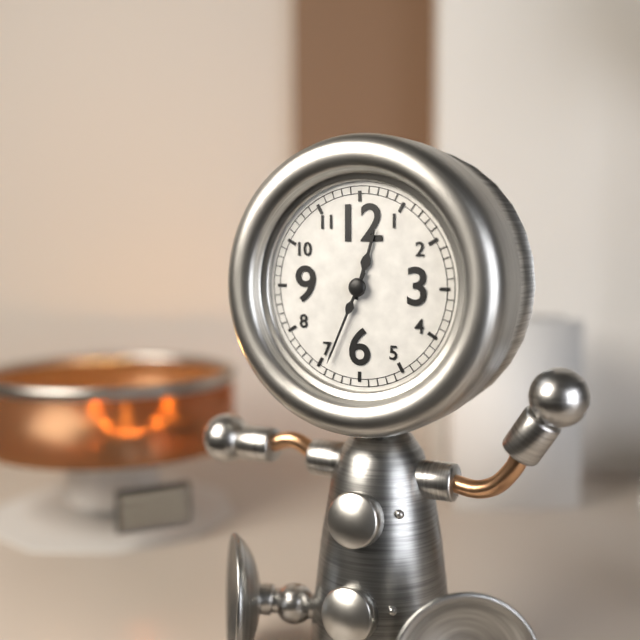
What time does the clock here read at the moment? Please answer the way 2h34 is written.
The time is 12h34
